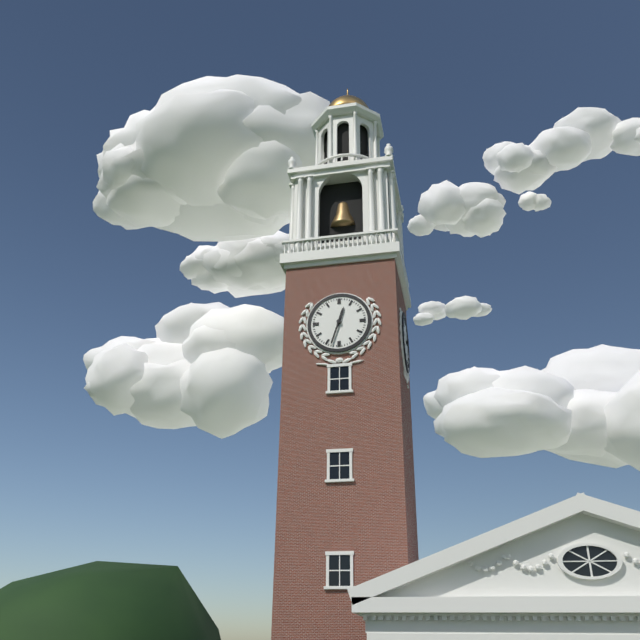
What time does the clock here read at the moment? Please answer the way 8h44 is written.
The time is 12h33
